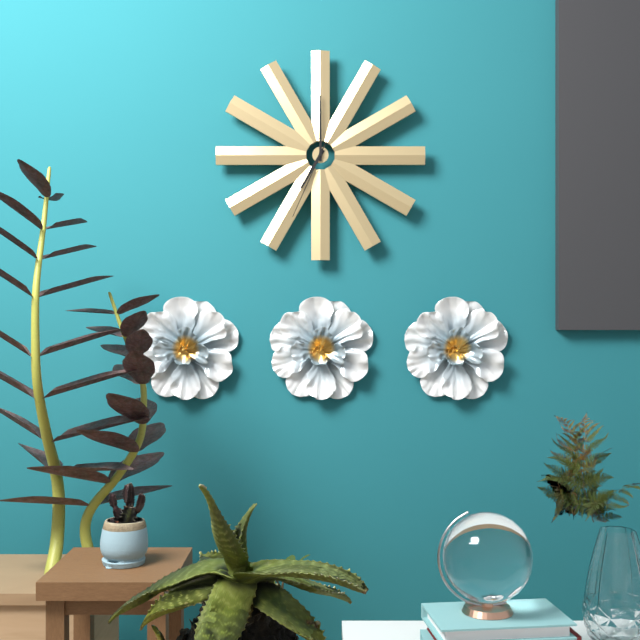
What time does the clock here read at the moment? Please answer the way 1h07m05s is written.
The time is 7h00m34s
